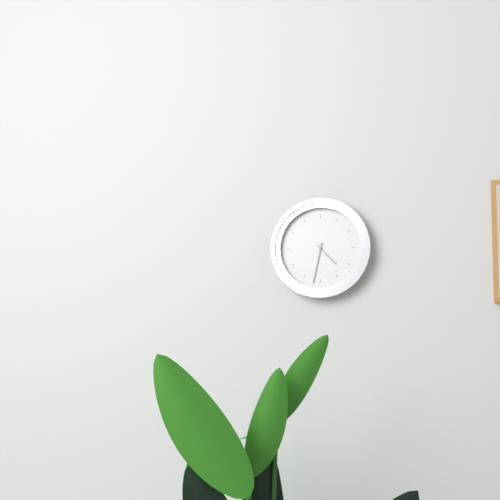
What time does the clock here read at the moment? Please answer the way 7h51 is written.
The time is 4h32
